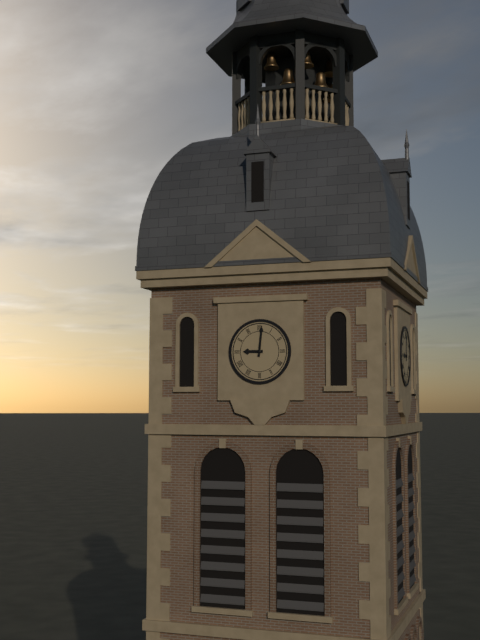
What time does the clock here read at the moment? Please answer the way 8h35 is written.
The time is 9h01
